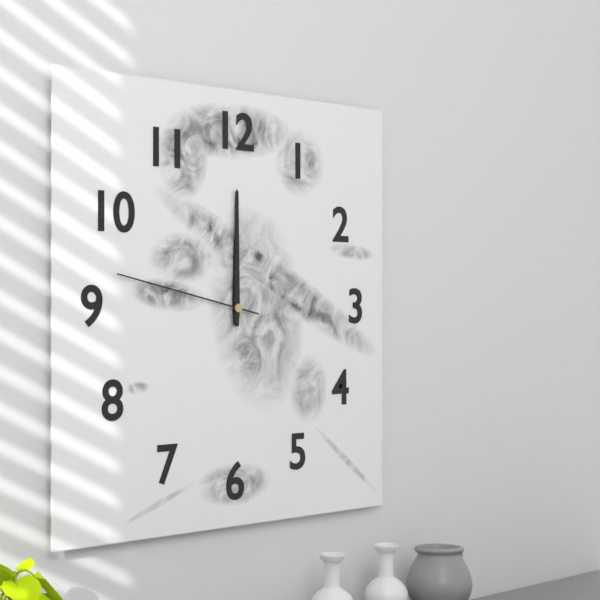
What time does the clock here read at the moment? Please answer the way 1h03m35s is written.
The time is 12h00m47s
